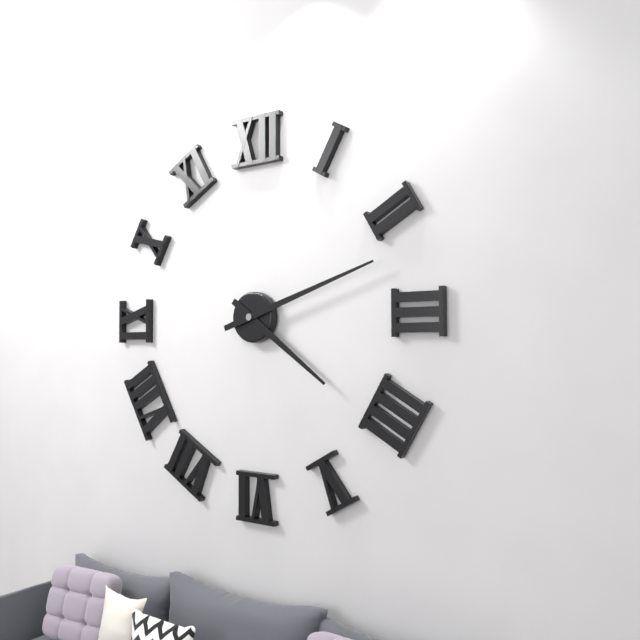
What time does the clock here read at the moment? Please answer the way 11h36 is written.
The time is 4h12
